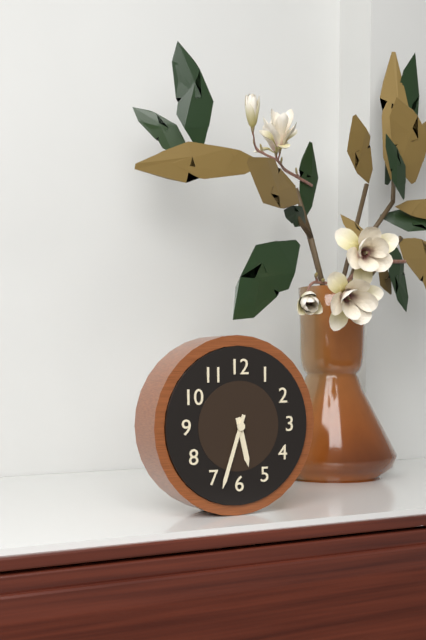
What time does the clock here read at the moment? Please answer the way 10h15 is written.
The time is 5h33
